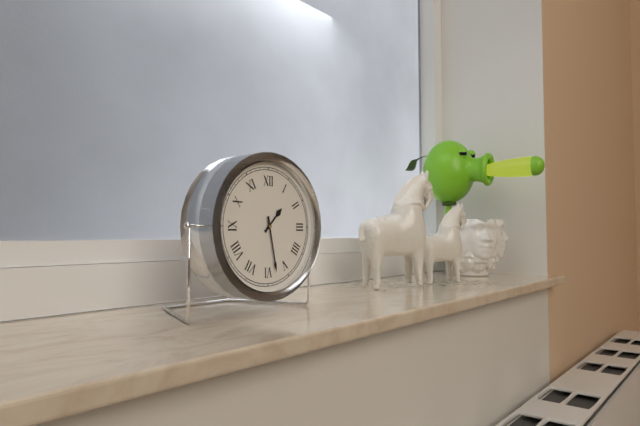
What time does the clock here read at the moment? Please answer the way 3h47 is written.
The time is 1h28
